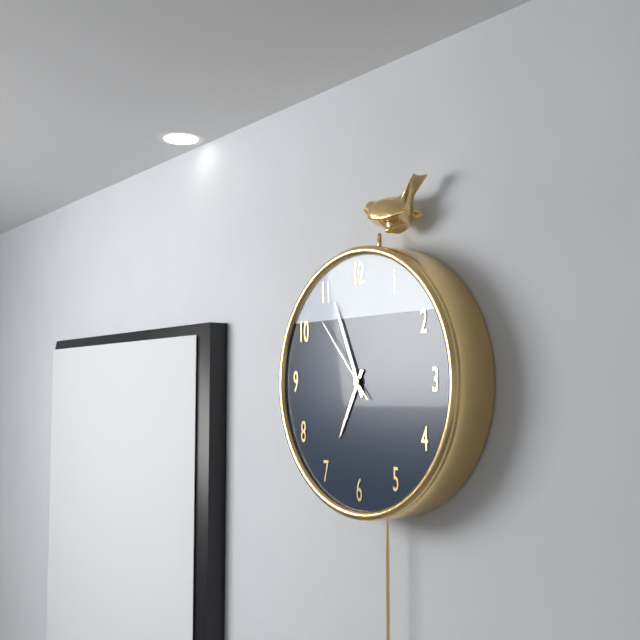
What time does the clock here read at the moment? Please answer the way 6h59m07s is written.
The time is 6h56m53s
